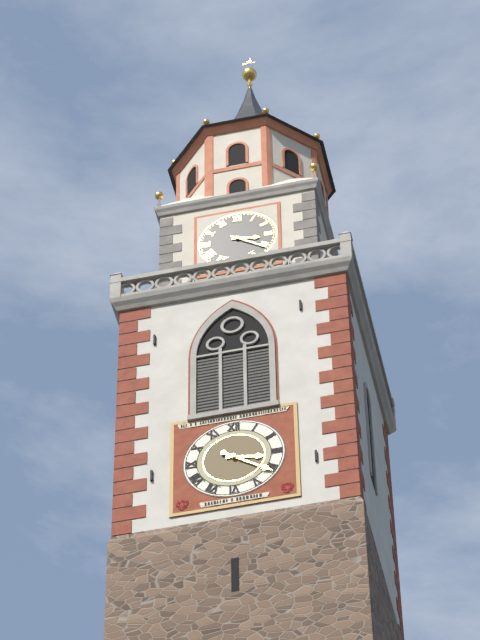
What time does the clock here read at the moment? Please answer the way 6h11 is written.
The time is 3h21
